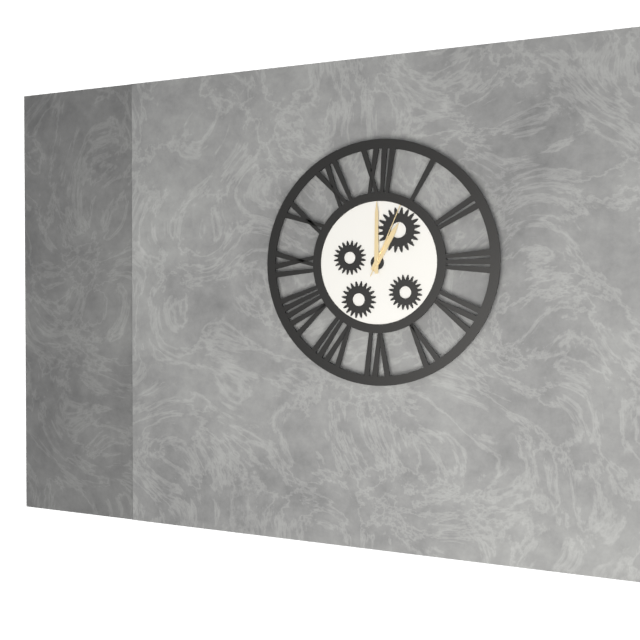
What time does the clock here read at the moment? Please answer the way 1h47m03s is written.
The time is 1h00m04s
